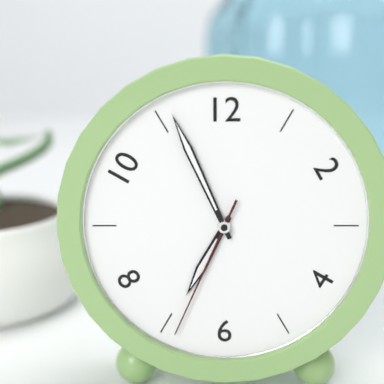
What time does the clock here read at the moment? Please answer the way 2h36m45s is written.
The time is 6h56m34s
